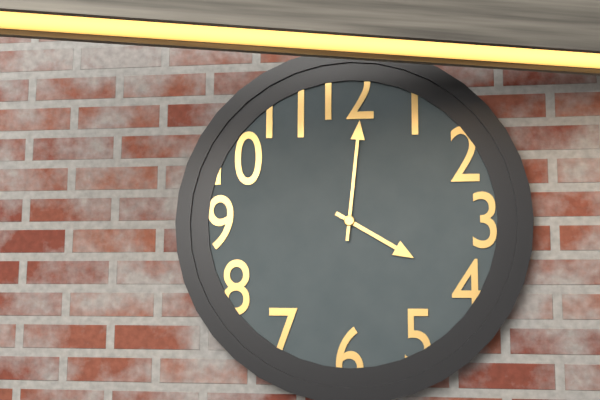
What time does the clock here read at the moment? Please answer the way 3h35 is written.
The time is 4h01
